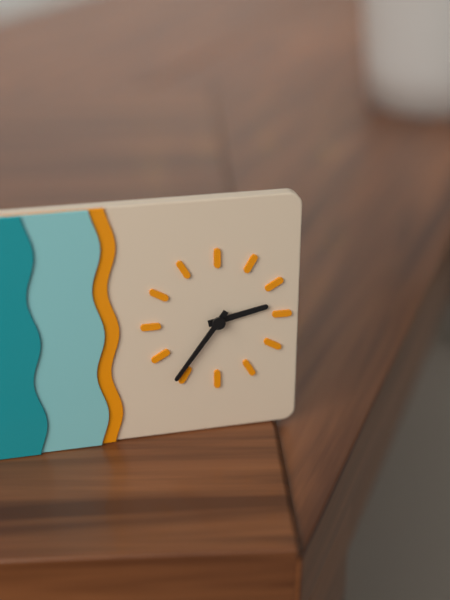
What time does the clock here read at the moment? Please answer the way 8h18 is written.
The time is 2h36
